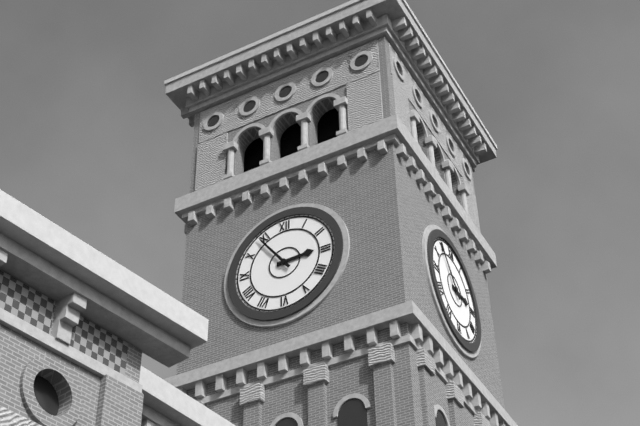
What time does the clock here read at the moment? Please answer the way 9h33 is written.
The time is 2h54
